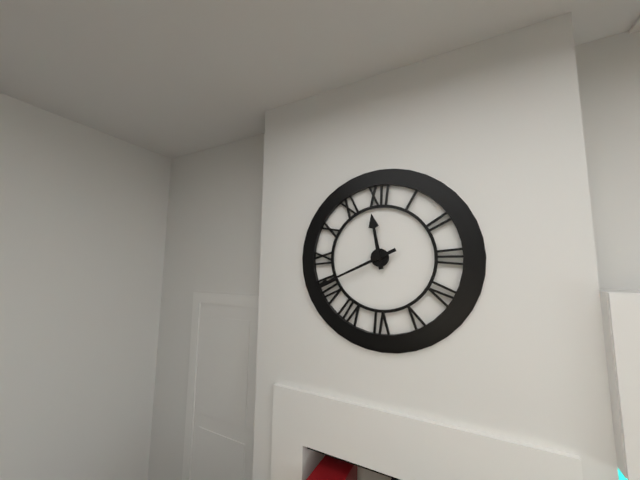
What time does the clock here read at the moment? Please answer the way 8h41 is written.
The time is 11h41
